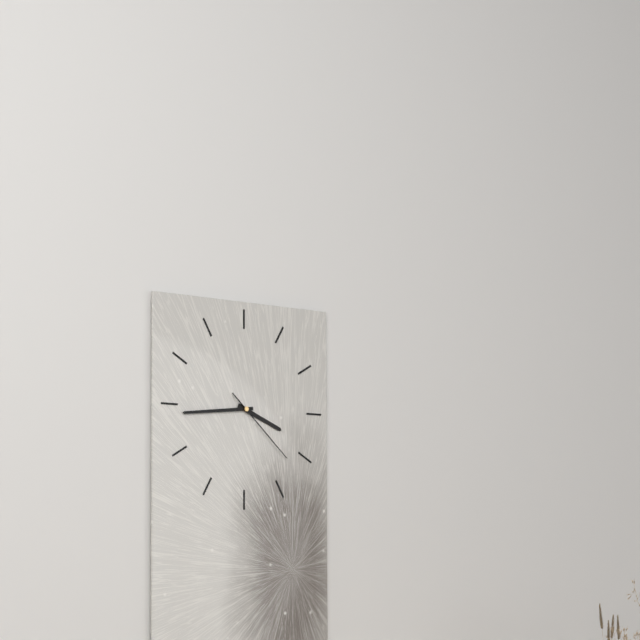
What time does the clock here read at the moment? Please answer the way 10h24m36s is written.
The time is 3h44m22s
